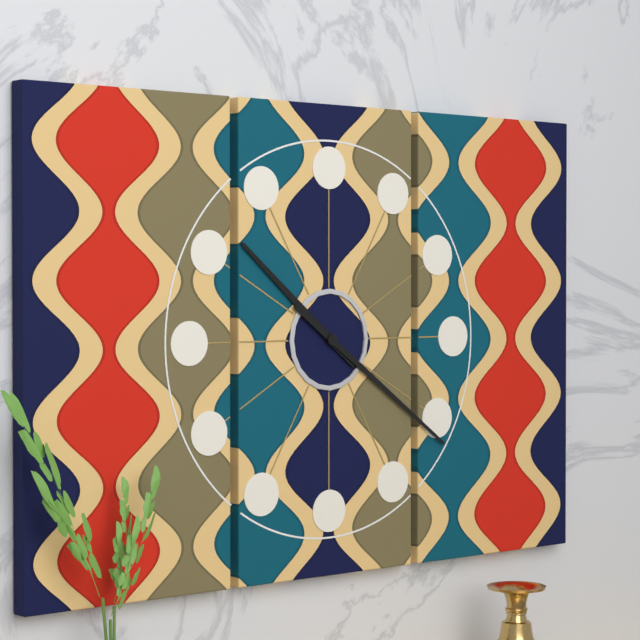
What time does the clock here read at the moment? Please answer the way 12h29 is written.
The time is 10h21
